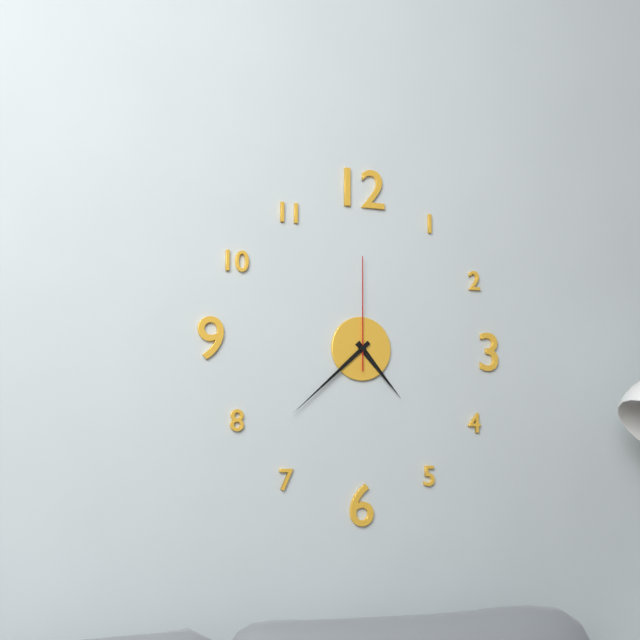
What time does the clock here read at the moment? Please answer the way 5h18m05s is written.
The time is 4h38m00s
